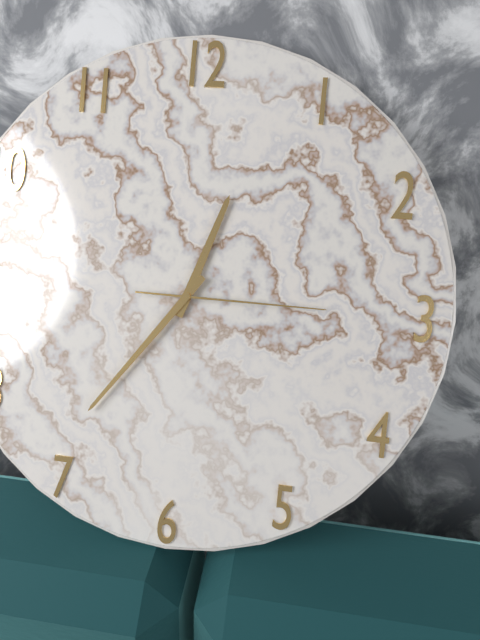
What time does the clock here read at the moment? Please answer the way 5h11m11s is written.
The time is 12h36m15s
